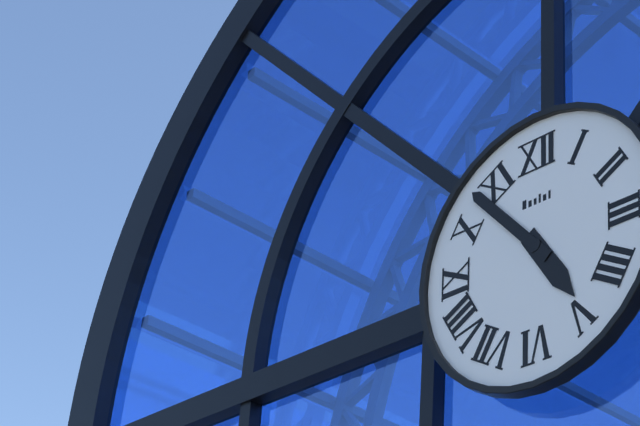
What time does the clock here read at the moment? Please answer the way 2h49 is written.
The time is 4h53
